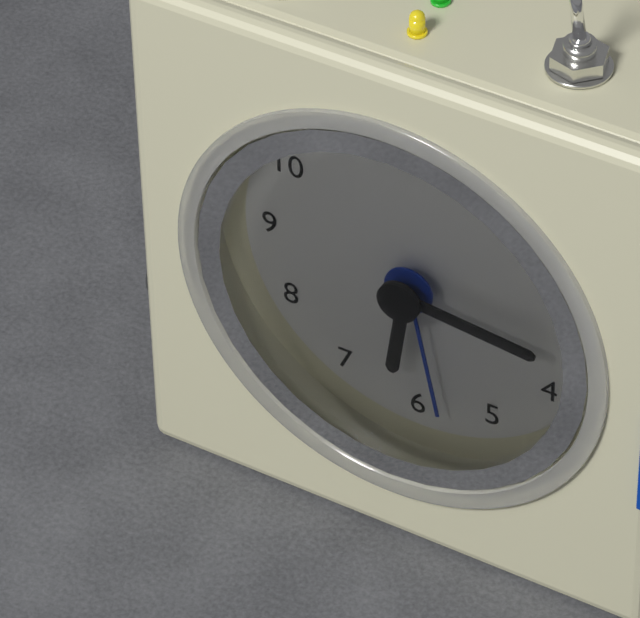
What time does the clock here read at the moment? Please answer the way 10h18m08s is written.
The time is 6h16m28s
